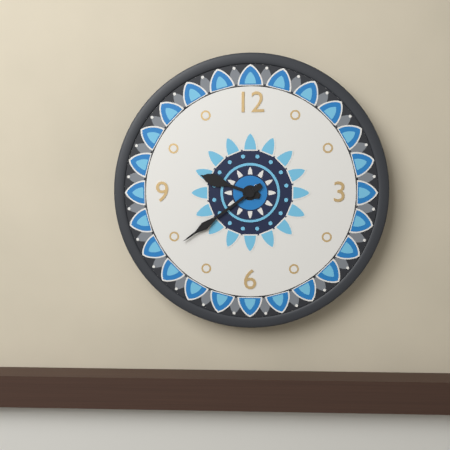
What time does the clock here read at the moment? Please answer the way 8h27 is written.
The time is 9h39
